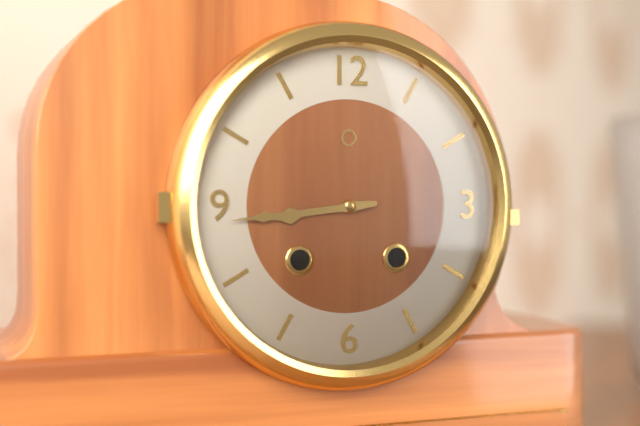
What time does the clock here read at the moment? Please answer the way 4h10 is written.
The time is 8h44
